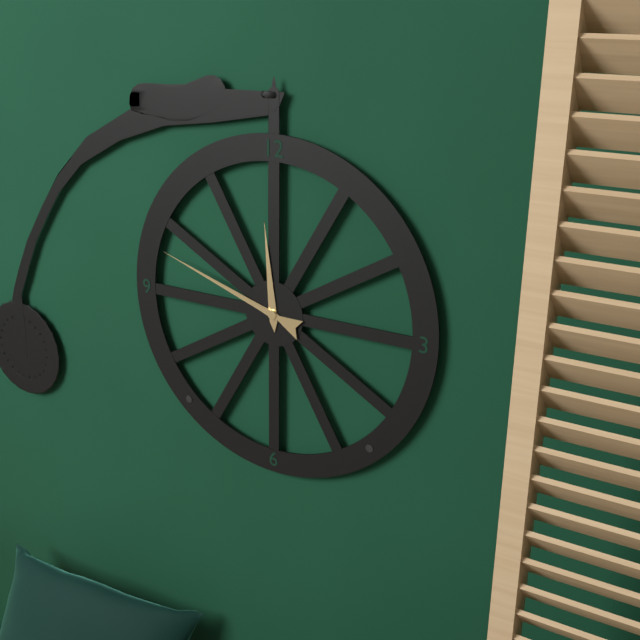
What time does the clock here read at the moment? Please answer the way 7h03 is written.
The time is 11h48
